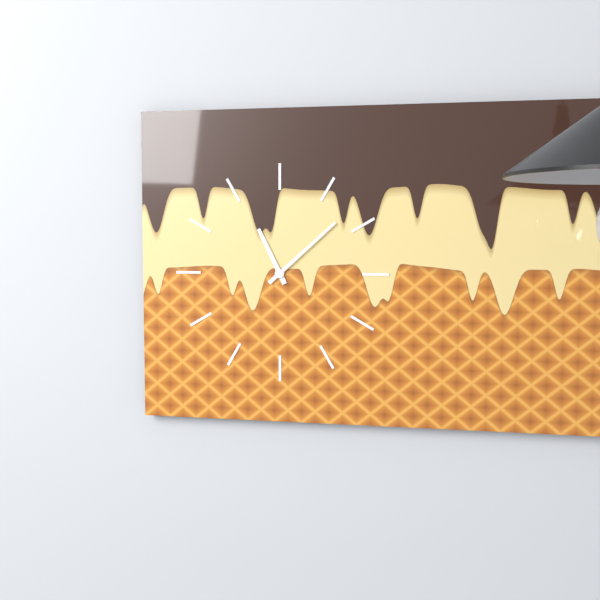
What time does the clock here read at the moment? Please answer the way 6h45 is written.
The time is 11h08
